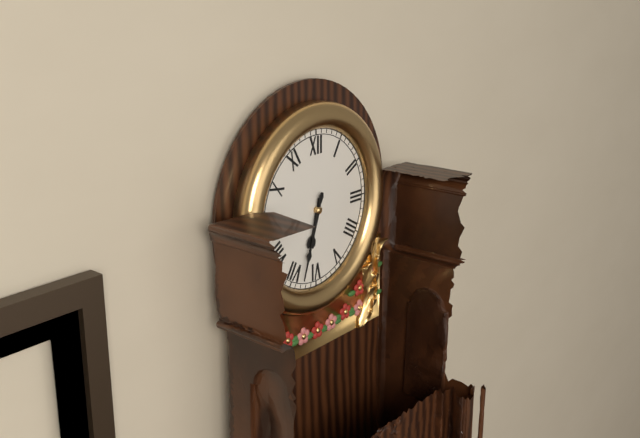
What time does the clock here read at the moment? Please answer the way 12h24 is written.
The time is 6h33
